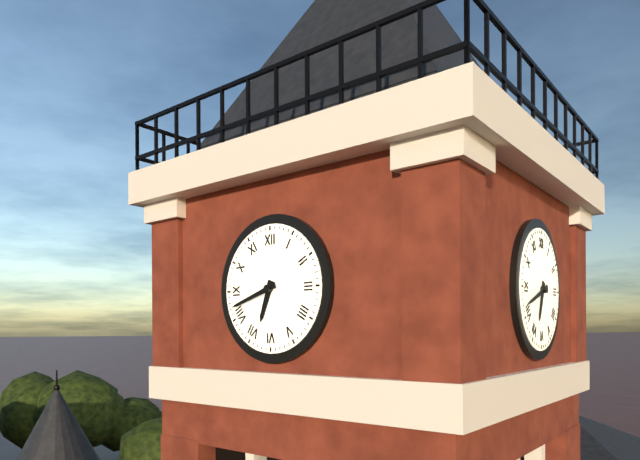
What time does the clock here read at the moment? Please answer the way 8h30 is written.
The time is 6h42
